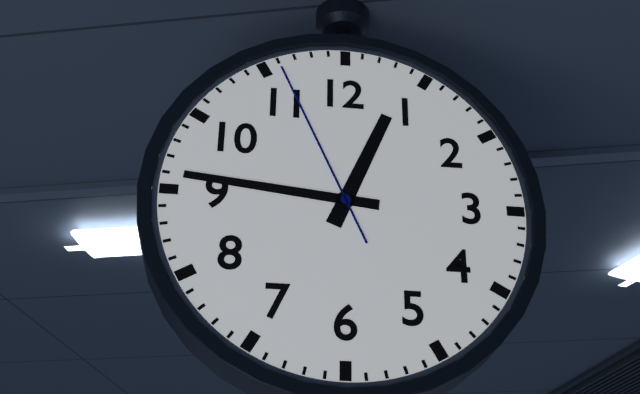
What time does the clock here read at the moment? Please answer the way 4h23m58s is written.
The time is 12h46m56s
